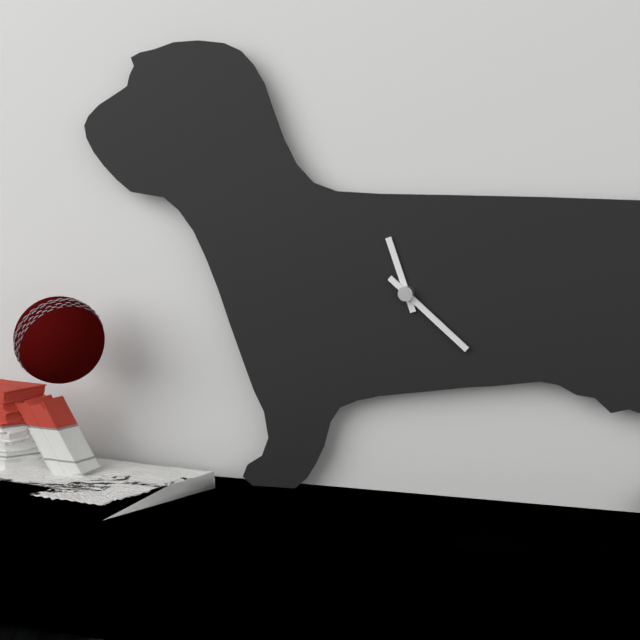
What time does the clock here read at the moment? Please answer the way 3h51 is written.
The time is 11h22
